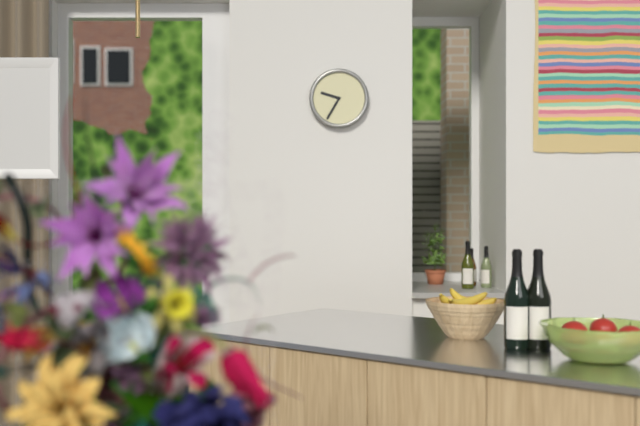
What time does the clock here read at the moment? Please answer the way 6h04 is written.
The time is 9h35
